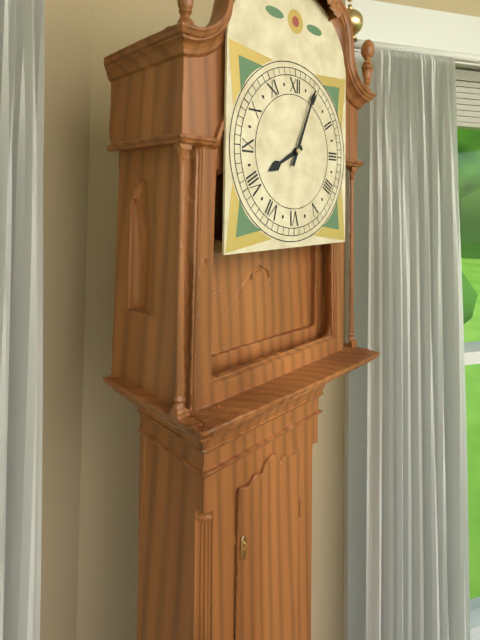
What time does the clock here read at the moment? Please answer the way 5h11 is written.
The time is 8h04
